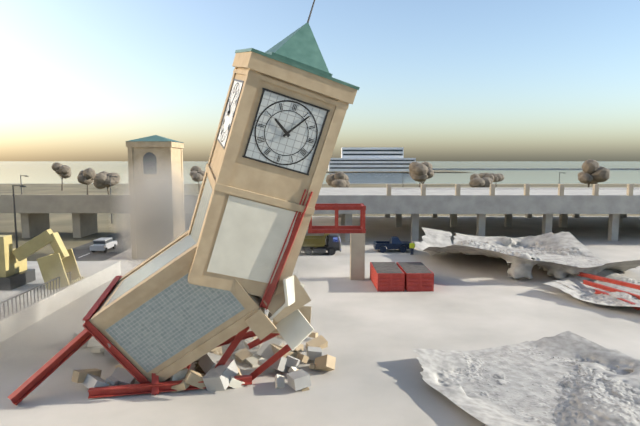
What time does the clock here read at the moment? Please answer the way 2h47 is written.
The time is 10h06
